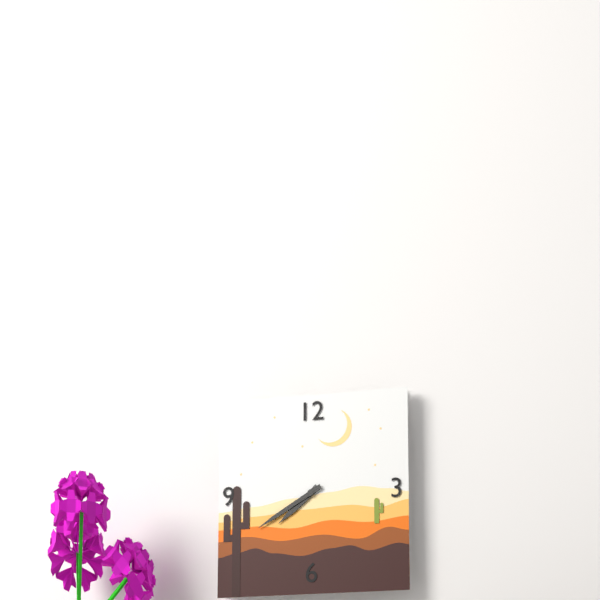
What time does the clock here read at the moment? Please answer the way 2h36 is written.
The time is 7h40
